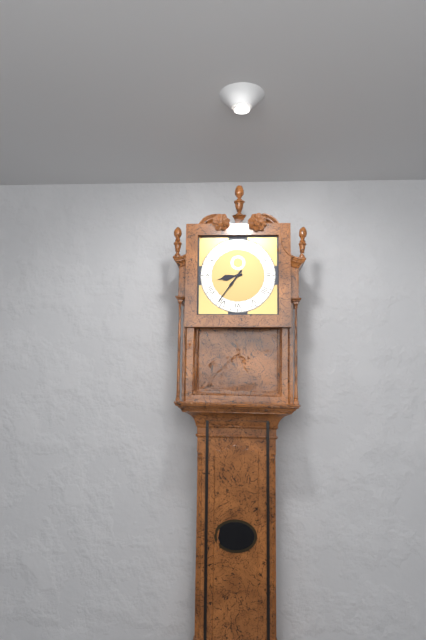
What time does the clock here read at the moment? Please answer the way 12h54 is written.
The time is 8h36
